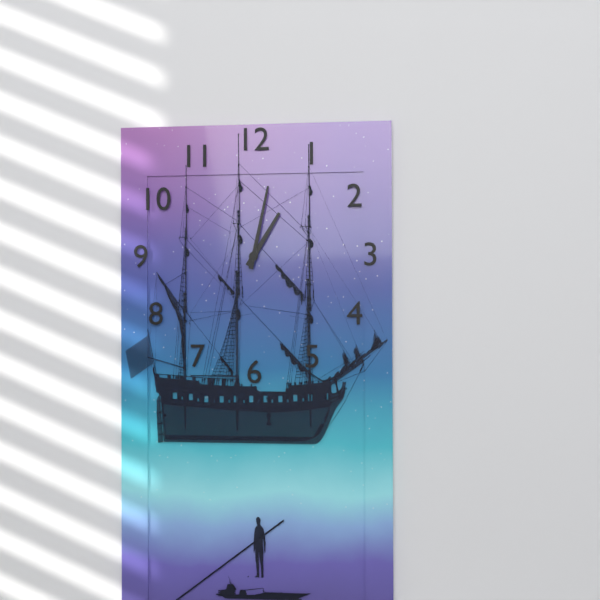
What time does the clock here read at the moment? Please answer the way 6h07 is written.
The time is 1h02
